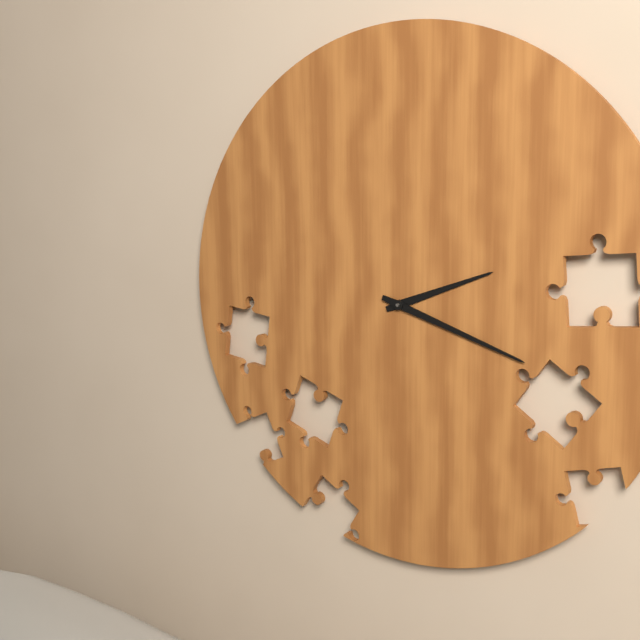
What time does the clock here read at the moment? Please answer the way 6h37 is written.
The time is 2h18
